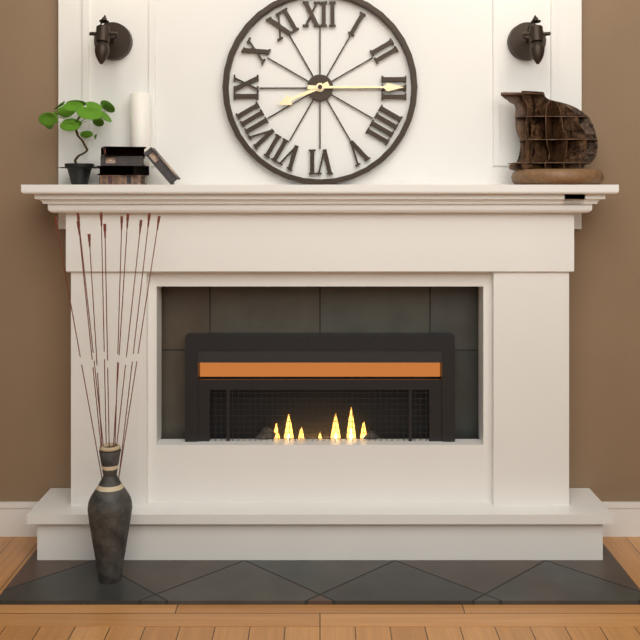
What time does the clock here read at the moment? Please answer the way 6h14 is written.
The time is 8h15
